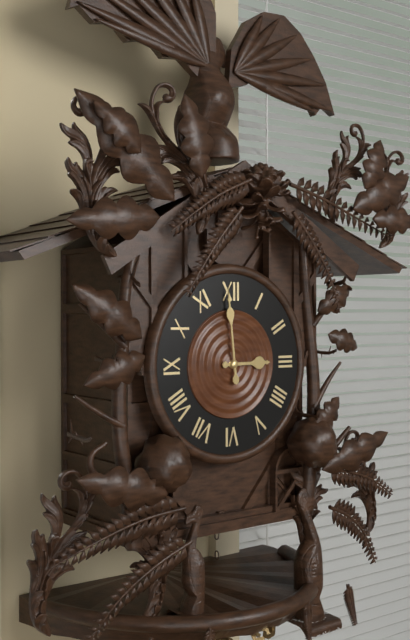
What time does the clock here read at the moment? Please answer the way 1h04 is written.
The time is 2h59
